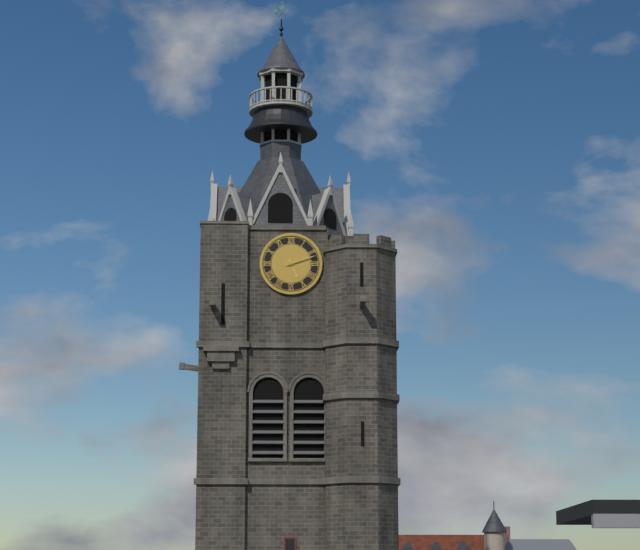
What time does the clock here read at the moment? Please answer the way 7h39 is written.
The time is 5h12
